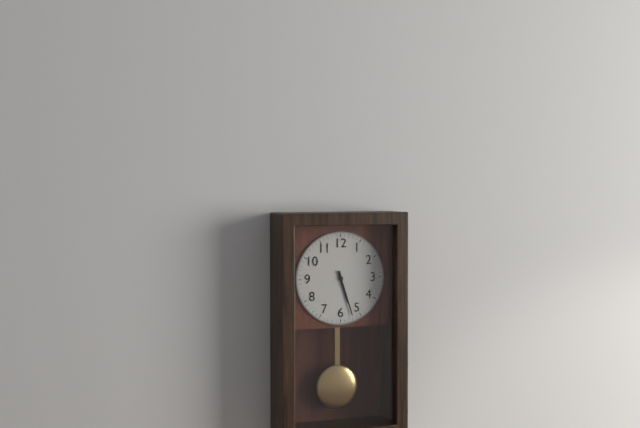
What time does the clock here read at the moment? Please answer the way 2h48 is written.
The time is 5h27
